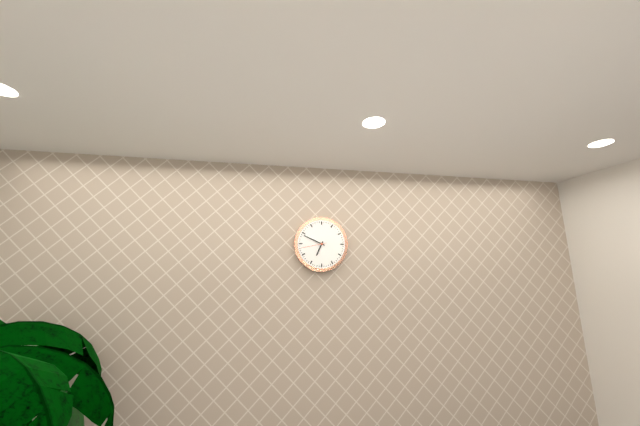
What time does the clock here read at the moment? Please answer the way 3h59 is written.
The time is 6h49
